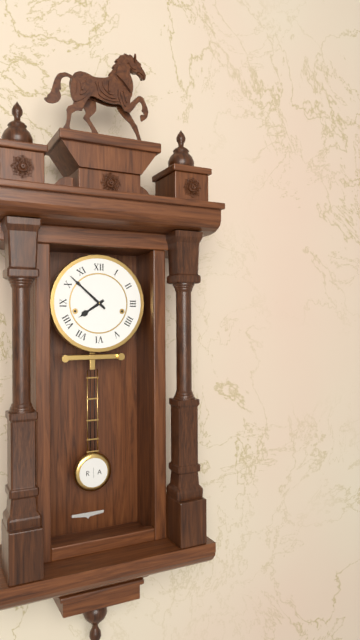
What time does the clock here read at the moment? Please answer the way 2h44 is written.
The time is 7h52
